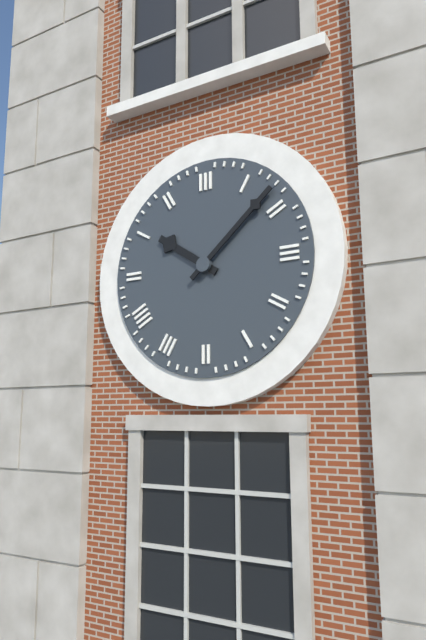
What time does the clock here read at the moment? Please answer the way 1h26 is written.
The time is 10h08
